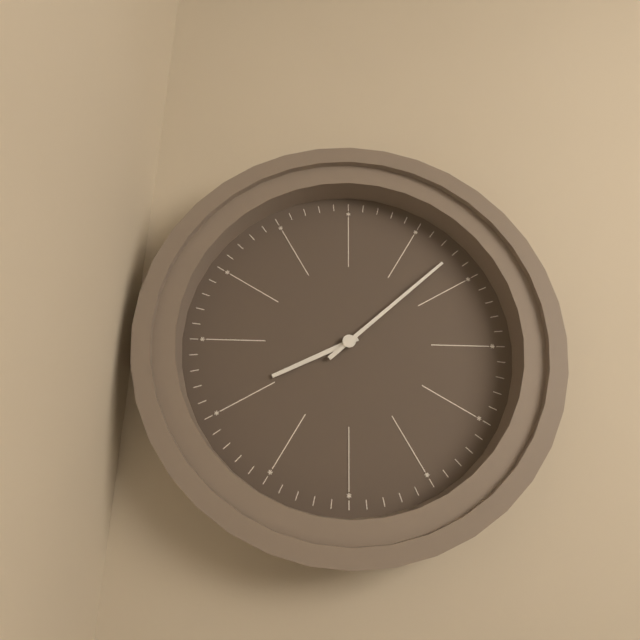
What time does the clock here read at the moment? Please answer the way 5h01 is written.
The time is 8h08
